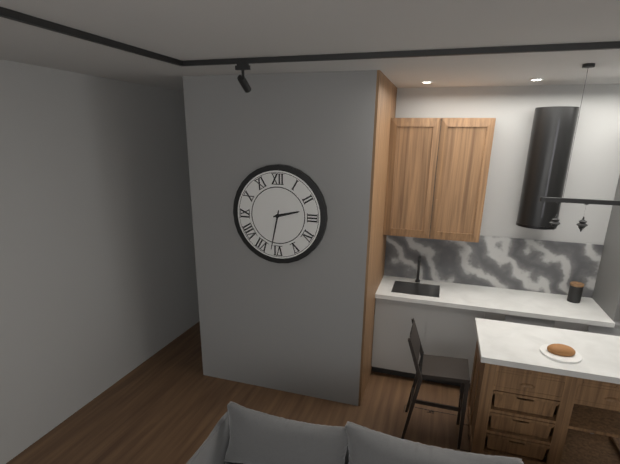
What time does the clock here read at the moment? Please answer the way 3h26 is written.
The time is 2h32
